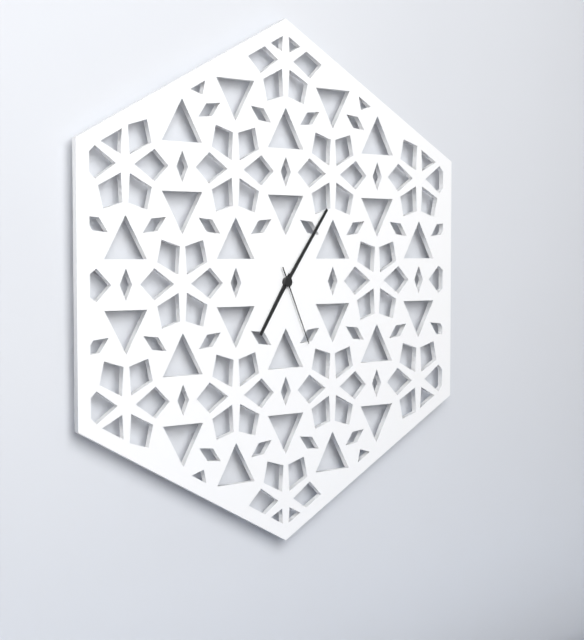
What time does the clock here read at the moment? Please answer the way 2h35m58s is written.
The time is 7h06m26s
